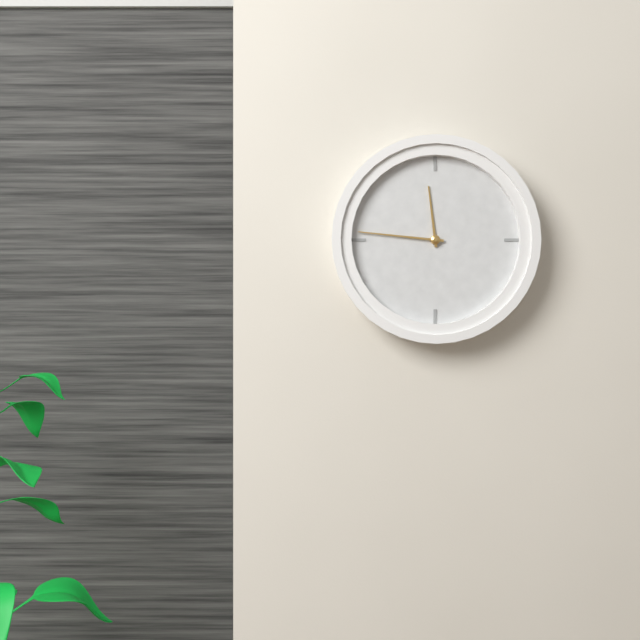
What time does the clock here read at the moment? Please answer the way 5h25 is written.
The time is 11h46
